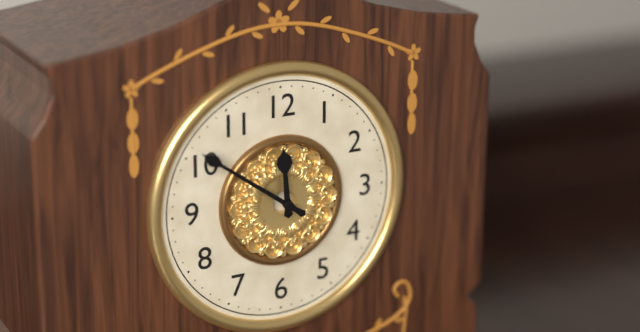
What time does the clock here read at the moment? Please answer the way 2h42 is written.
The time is 11h51
